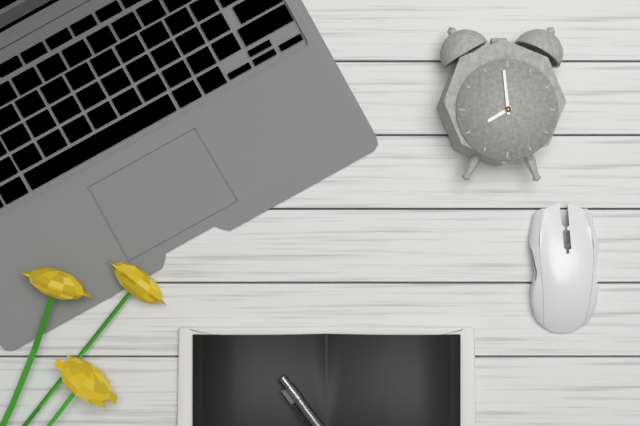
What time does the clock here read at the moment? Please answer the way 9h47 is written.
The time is 7h59
